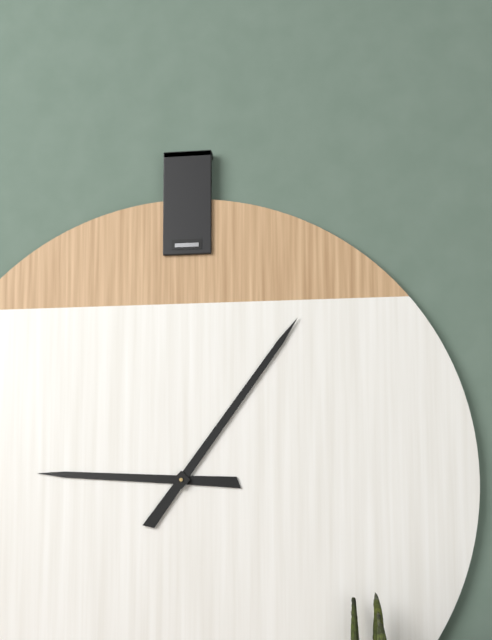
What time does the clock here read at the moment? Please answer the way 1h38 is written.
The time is 9h06
